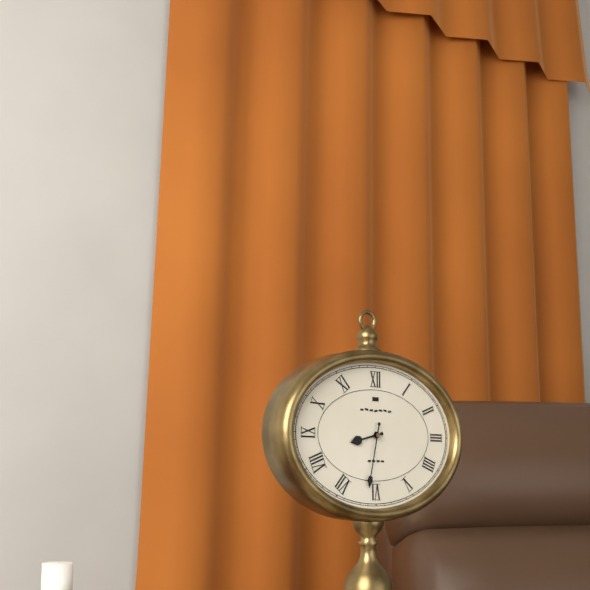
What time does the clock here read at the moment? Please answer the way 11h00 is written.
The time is 8h32
